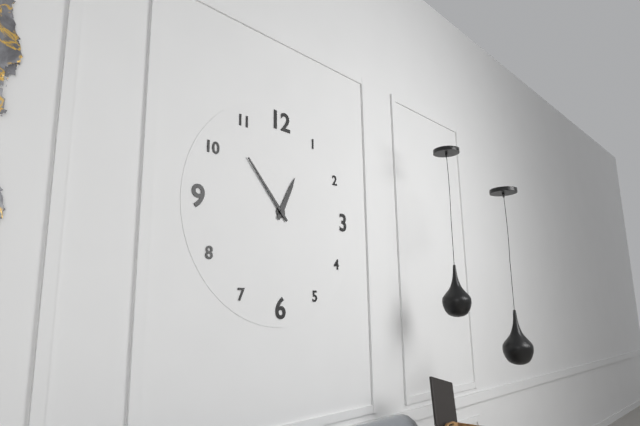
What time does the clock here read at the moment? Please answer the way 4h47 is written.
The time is 12h53
